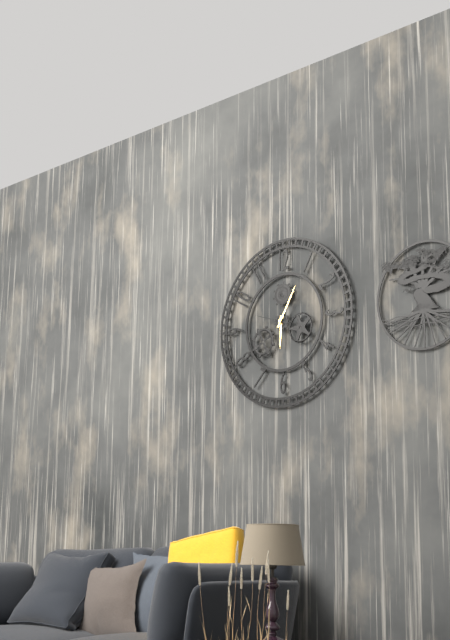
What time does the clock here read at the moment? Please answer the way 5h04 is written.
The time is 6h05
